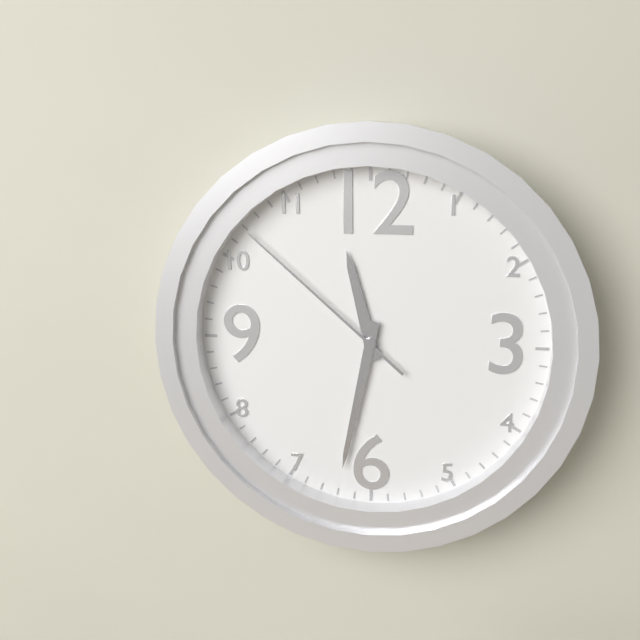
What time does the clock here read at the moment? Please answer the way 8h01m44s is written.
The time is 11h32m52s
